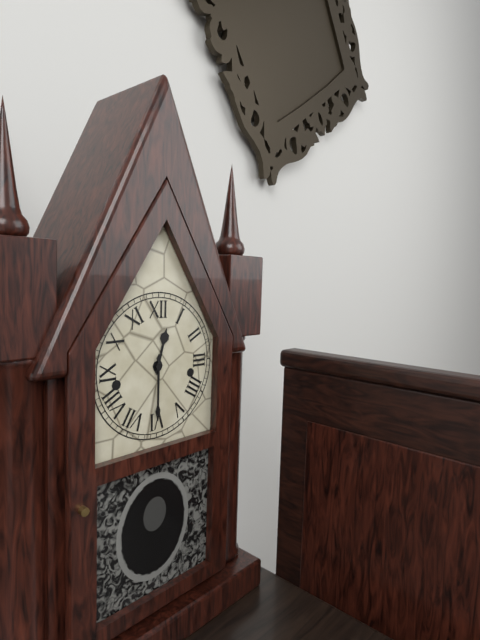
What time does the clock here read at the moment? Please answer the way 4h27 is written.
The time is 12h30
